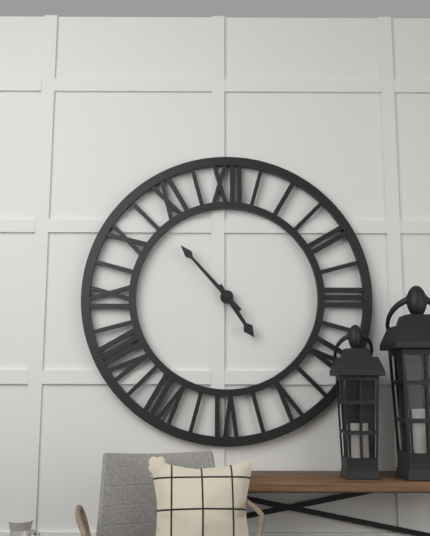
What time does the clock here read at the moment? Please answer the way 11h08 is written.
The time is 4h53
